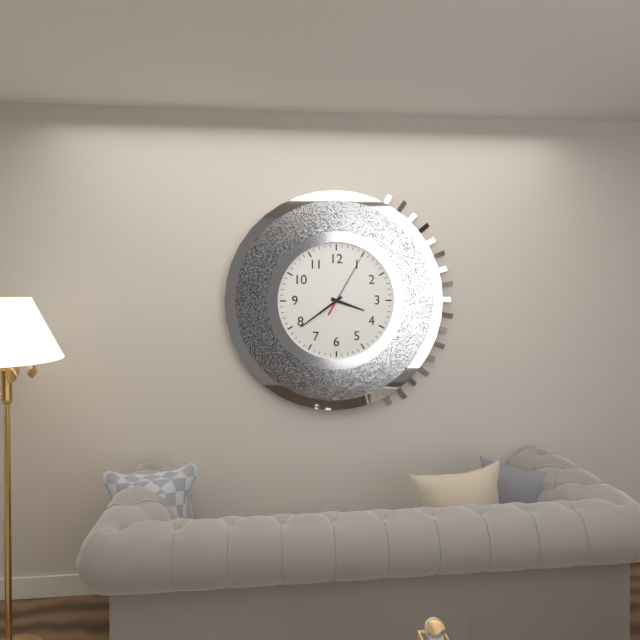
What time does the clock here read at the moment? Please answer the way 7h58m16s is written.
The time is 3h39m05s
